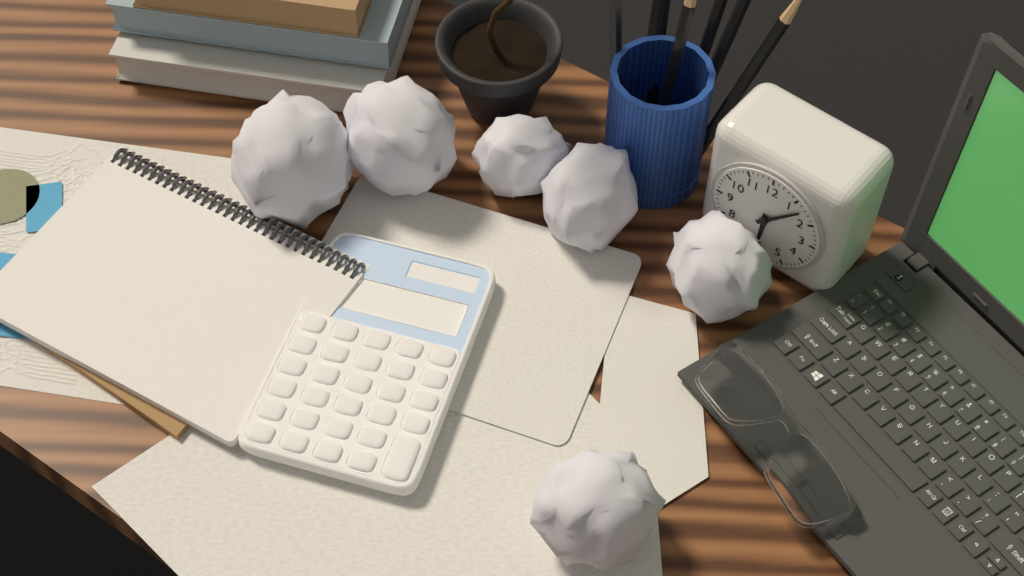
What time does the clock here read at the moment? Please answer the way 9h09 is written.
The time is 6h07
